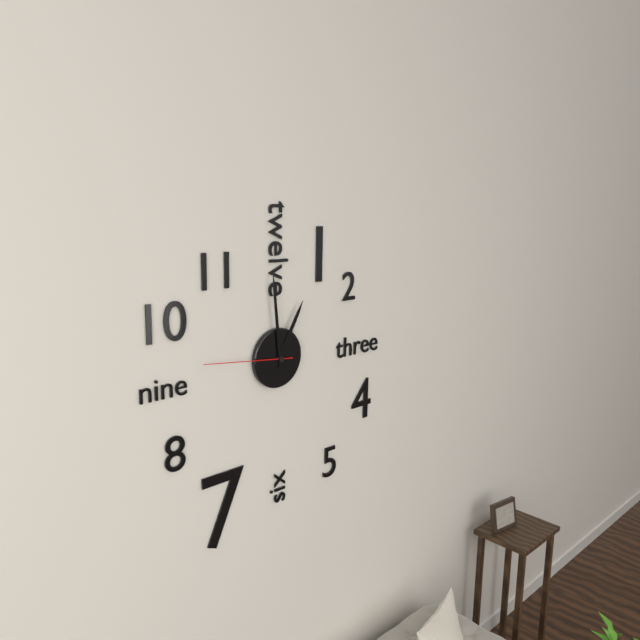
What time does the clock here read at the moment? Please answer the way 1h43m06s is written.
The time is 12h59m46s
